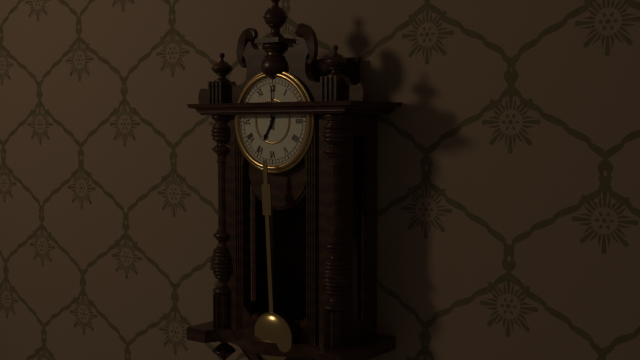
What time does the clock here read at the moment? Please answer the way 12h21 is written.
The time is 7h00
